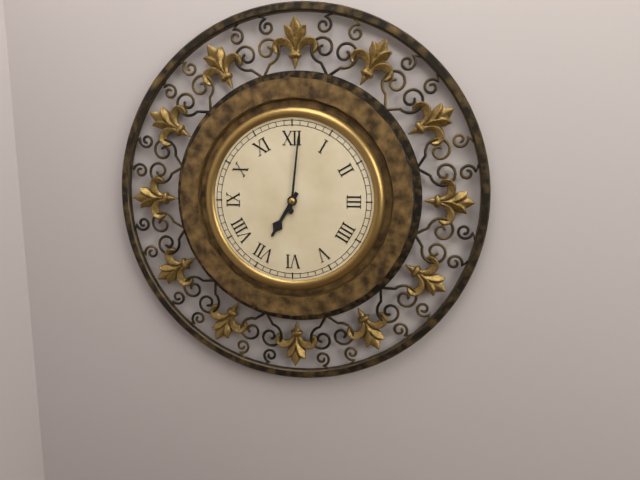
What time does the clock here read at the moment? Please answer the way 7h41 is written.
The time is 7h01
